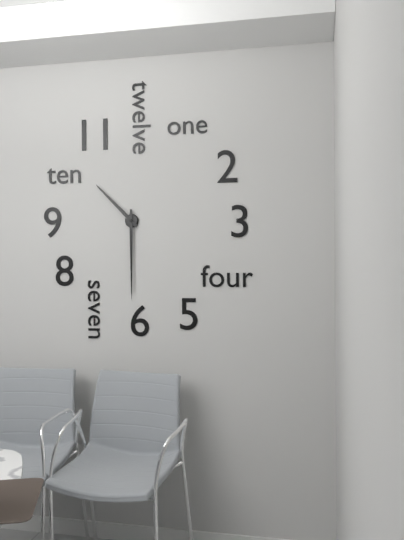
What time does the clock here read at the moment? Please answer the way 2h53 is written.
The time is 10h30
